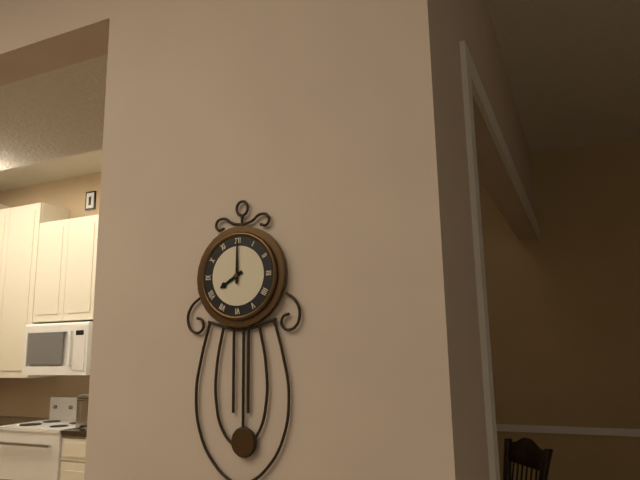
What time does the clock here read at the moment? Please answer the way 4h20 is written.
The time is 8h00
